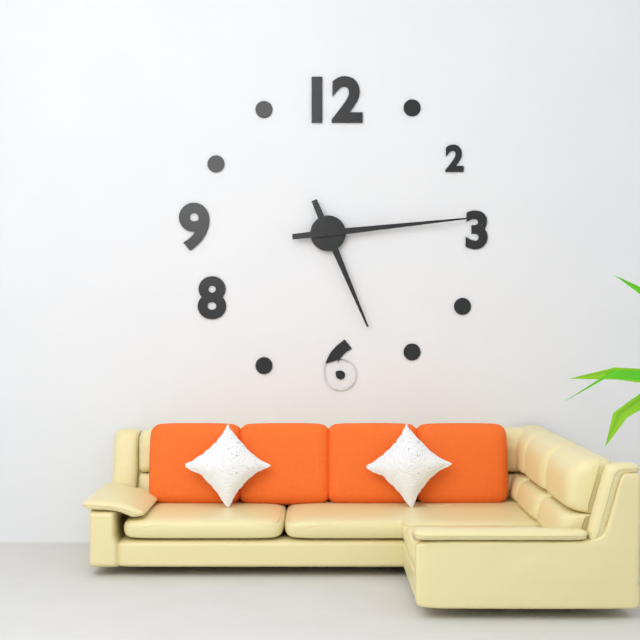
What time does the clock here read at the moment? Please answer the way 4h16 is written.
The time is 5h14
